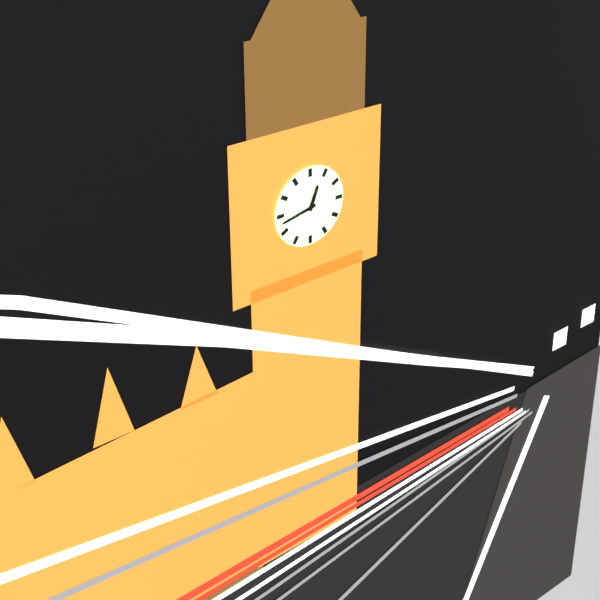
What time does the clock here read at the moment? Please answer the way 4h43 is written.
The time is 12h43
